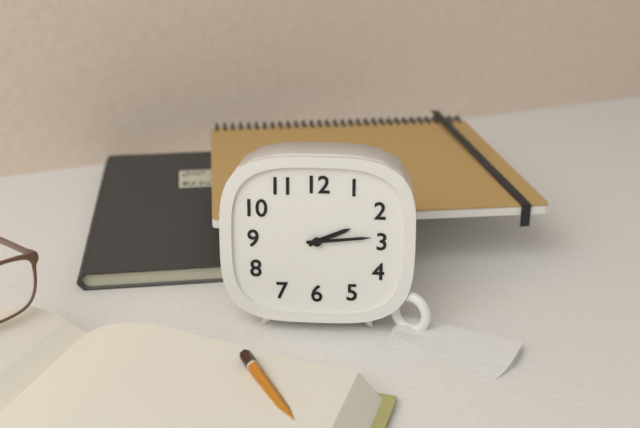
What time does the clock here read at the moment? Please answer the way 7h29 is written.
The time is 2h14
